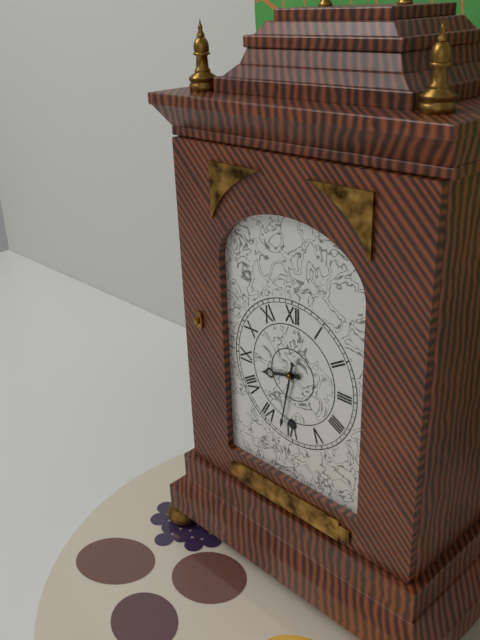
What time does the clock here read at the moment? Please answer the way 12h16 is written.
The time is 8h32
